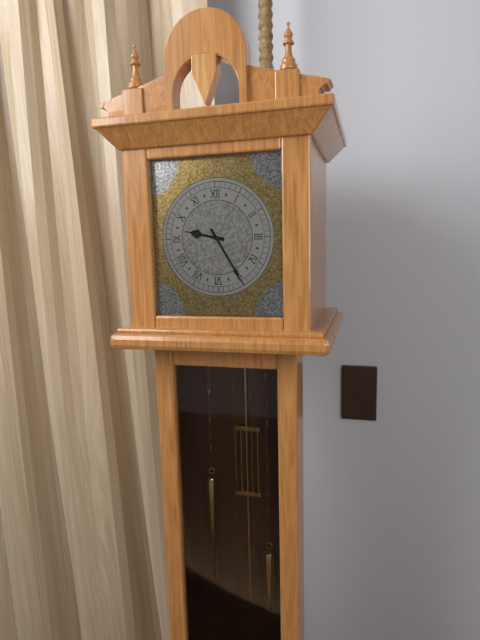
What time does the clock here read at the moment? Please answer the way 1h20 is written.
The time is 9h25
